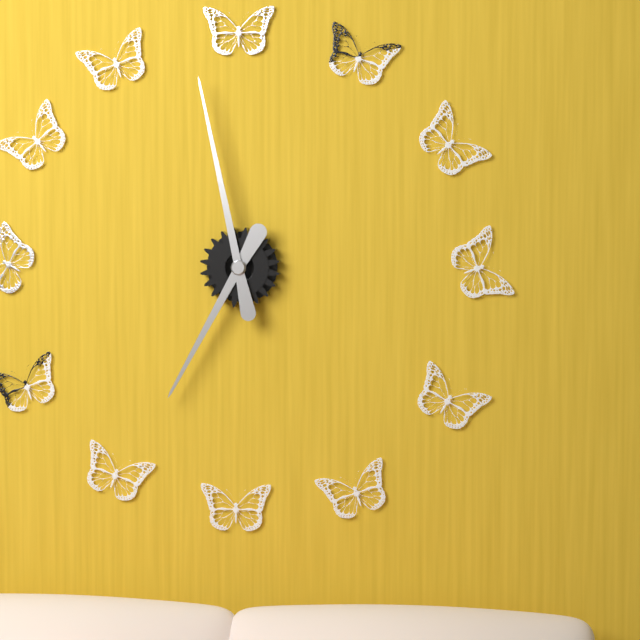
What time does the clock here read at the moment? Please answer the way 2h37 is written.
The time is 6h58
